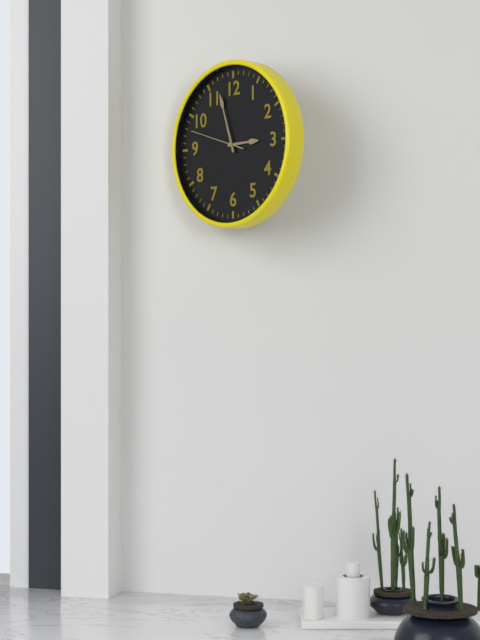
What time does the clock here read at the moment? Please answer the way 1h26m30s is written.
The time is 2h57m48s
